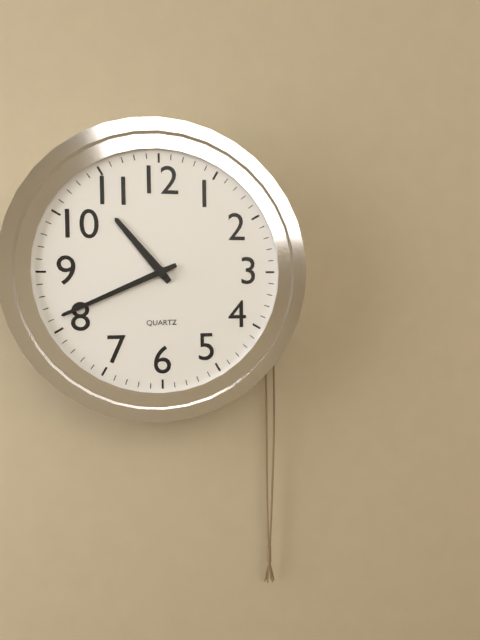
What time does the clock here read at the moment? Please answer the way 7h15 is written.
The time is 10h41
